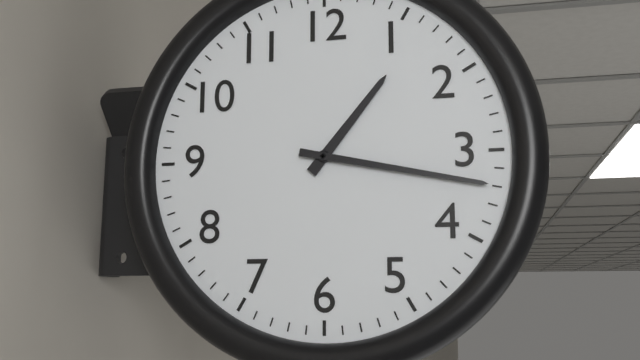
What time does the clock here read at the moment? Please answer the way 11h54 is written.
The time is 1h17
